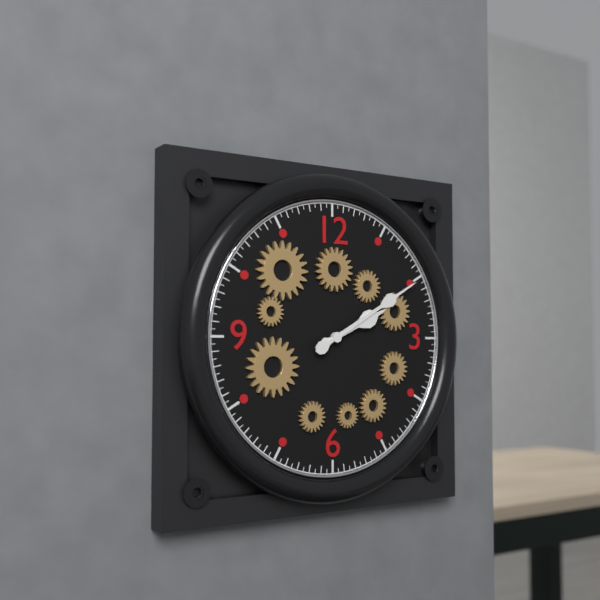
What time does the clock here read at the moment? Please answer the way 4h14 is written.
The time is 2h10
